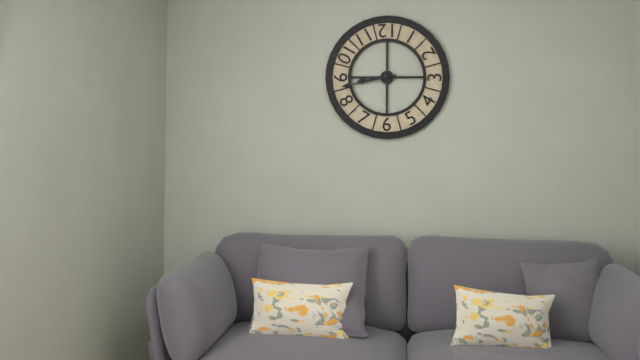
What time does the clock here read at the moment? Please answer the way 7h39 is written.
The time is 8h43
